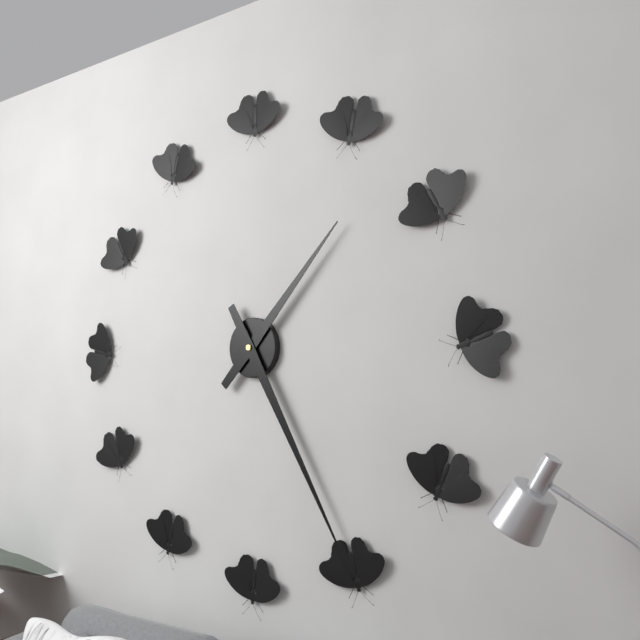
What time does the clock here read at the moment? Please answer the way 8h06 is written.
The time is 1h25
